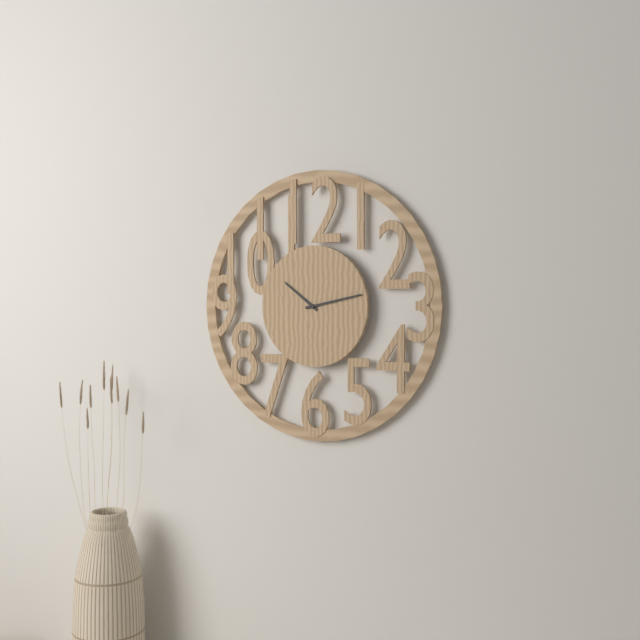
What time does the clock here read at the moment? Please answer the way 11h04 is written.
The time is 10h13
